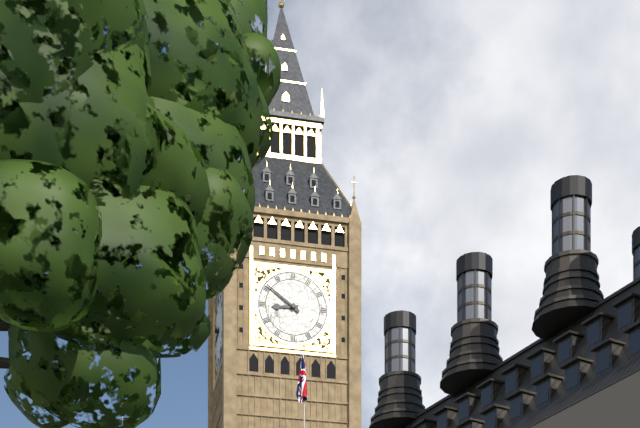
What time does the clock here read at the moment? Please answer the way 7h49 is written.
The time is 8h51
